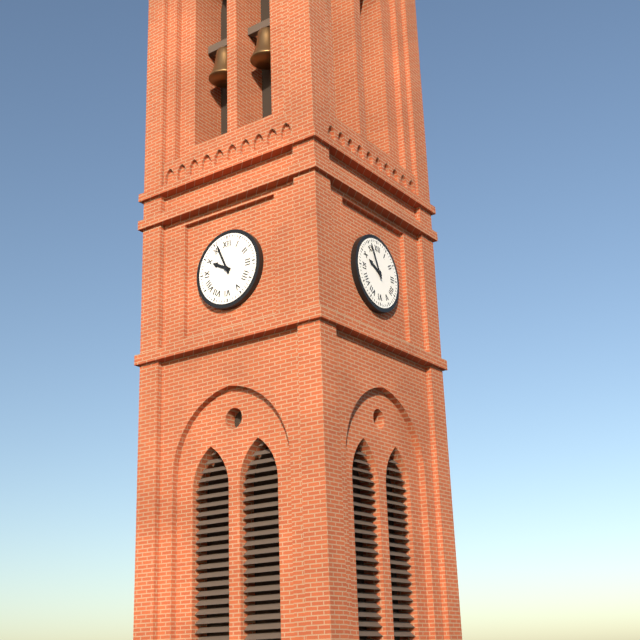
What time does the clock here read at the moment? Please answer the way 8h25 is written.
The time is 9h56
